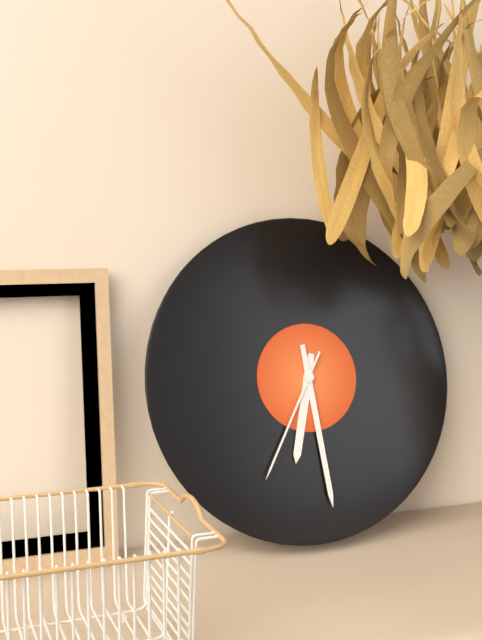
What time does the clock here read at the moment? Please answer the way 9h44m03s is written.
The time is 6h29m35s
